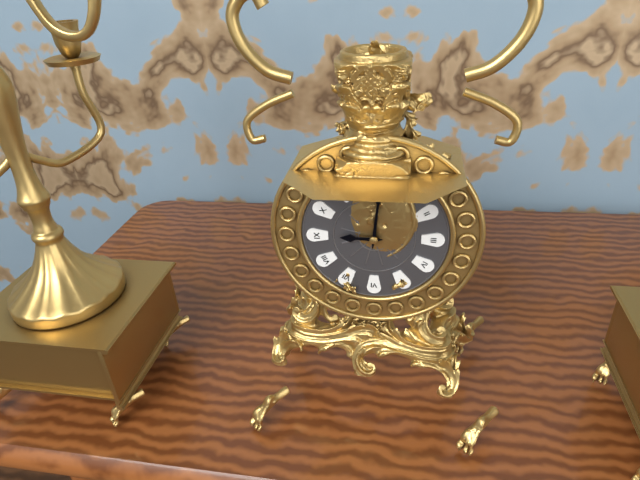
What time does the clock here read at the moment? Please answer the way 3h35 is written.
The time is 9h01
